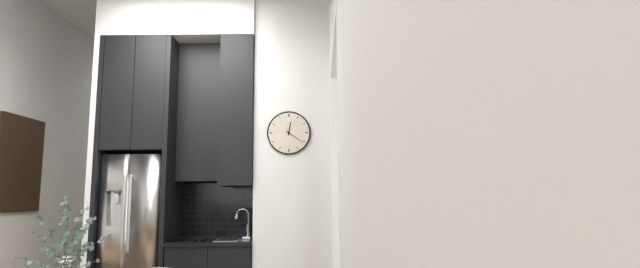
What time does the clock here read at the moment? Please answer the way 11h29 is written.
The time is 12h21
